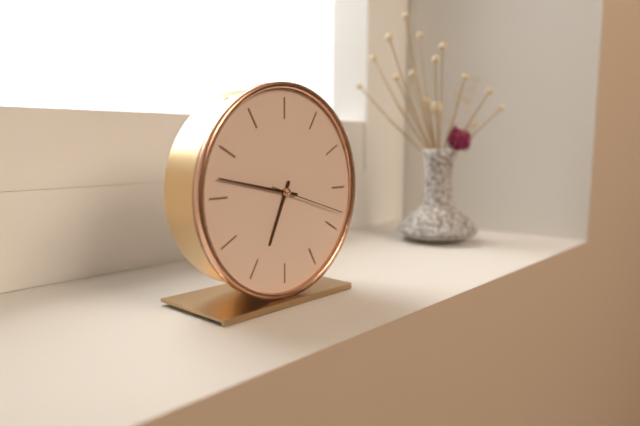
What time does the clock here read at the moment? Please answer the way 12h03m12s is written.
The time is 6h47m18s
